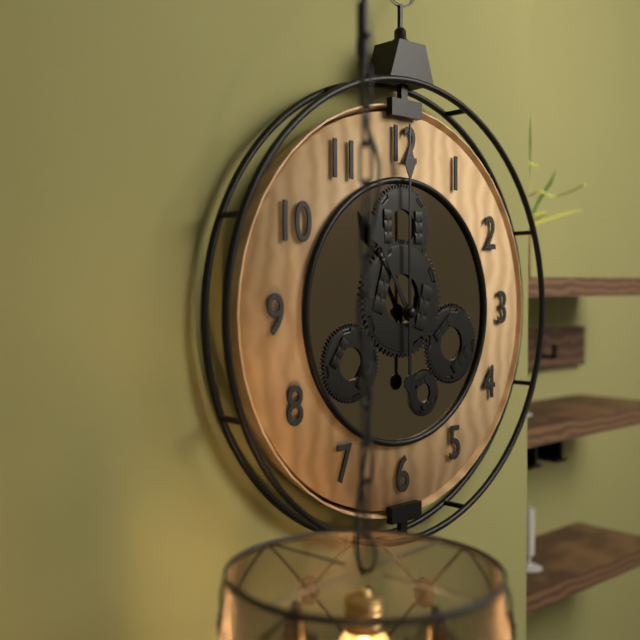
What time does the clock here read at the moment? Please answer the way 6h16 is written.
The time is 11h00
